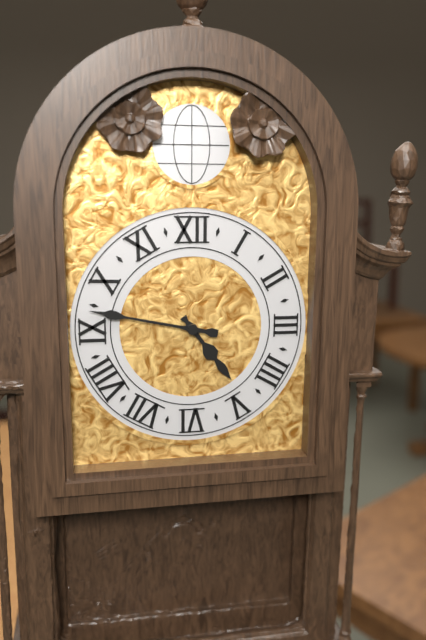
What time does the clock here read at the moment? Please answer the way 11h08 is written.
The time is 4h47
